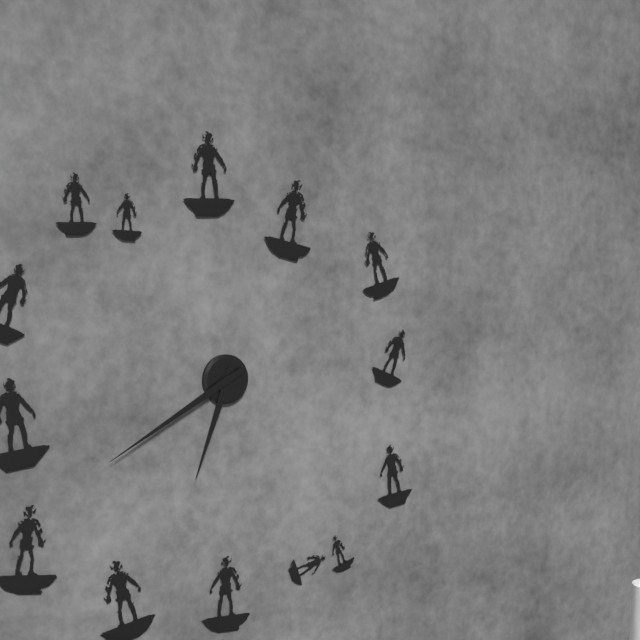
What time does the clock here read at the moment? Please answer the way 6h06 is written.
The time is 6h40
